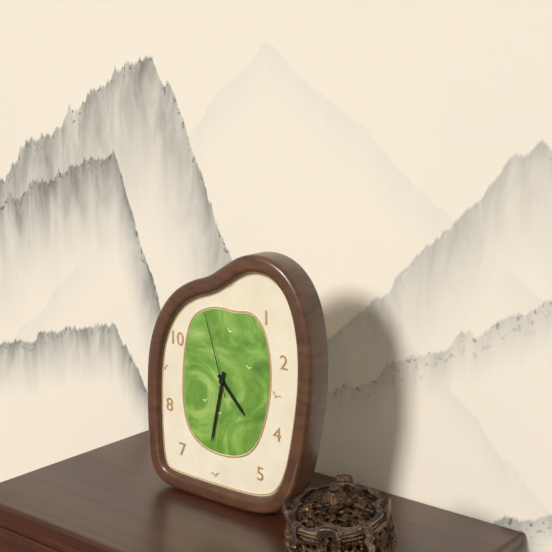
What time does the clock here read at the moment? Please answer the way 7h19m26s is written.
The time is 4h32m57s
